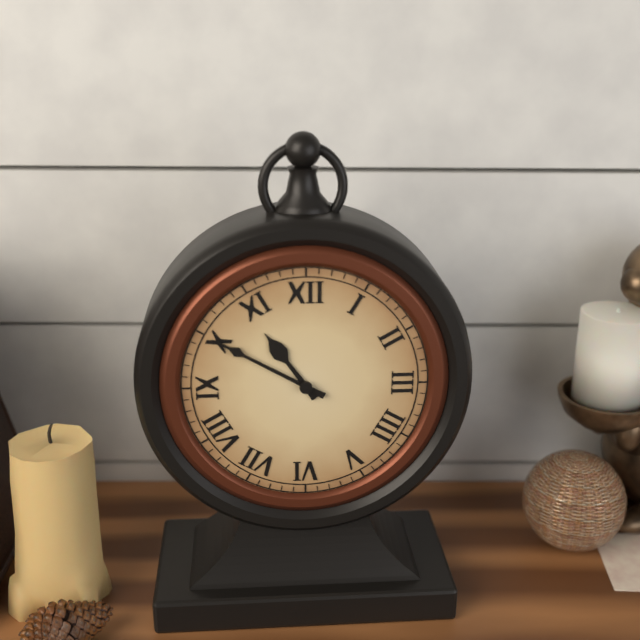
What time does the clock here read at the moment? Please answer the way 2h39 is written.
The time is 10h50
